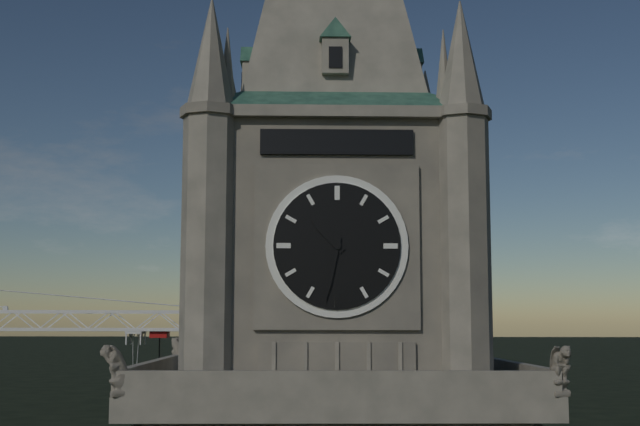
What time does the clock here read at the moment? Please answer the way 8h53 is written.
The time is 10h32
